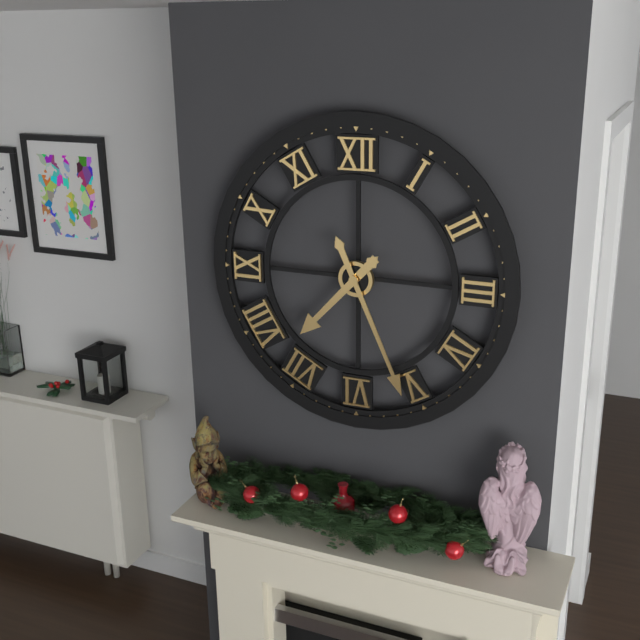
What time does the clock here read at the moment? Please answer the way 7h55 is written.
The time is 7h26
